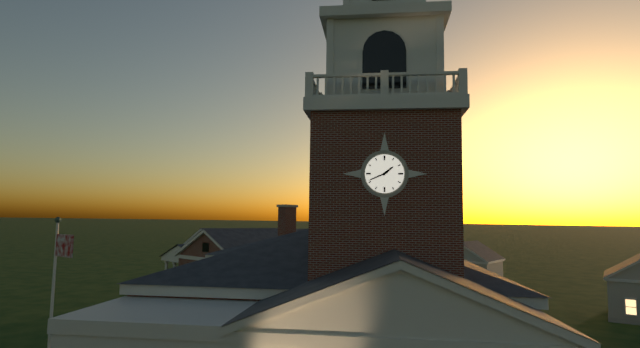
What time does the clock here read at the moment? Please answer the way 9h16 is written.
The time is 1h41
